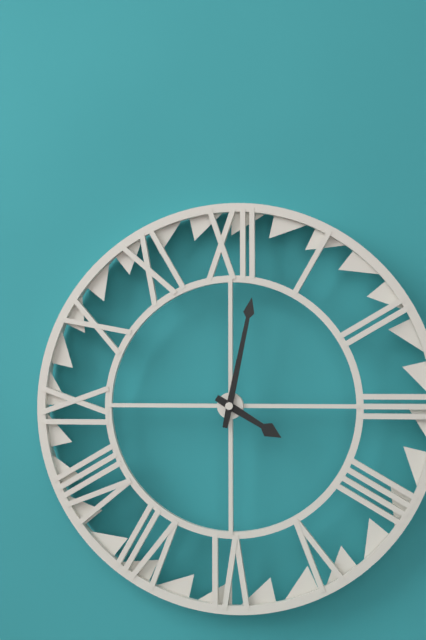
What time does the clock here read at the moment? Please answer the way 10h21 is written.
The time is 4h02
